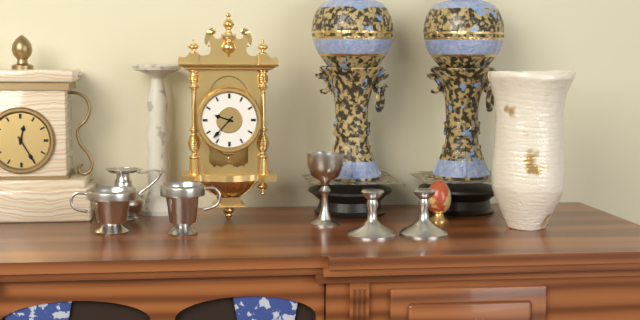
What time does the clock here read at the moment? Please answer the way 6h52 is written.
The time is 9h37
